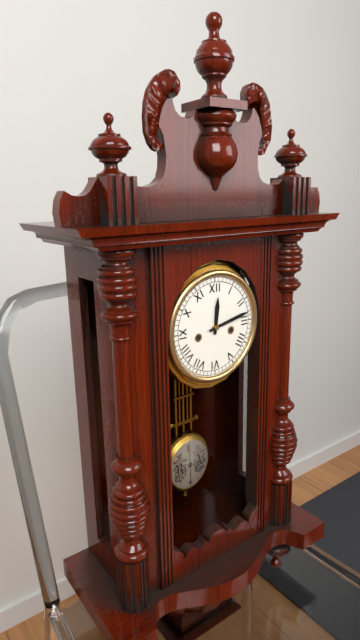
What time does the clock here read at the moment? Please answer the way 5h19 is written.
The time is 12h13
